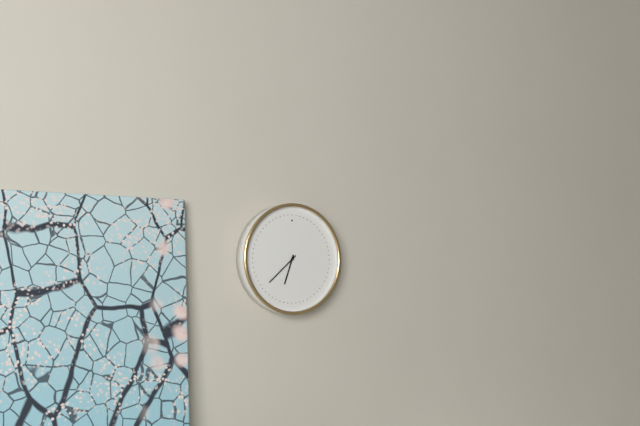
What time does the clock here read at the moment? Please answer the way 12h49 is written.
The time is 6h38
